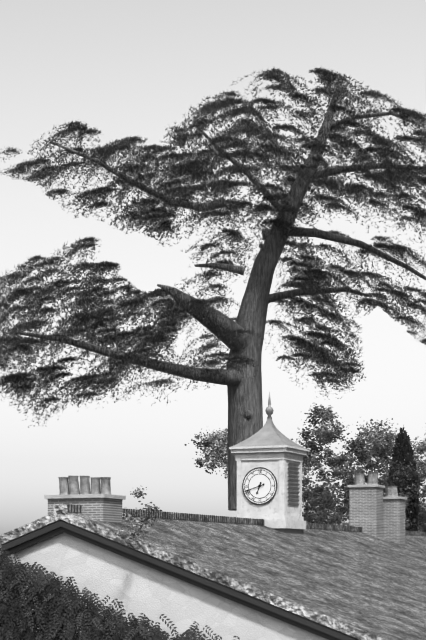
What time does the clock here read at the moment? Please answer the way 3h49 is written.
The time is 6h42
